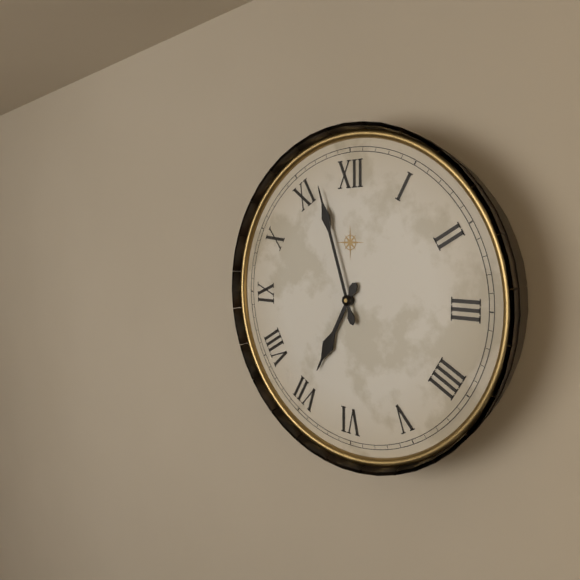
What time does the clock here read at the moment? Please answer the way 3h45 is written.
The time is 6h57
